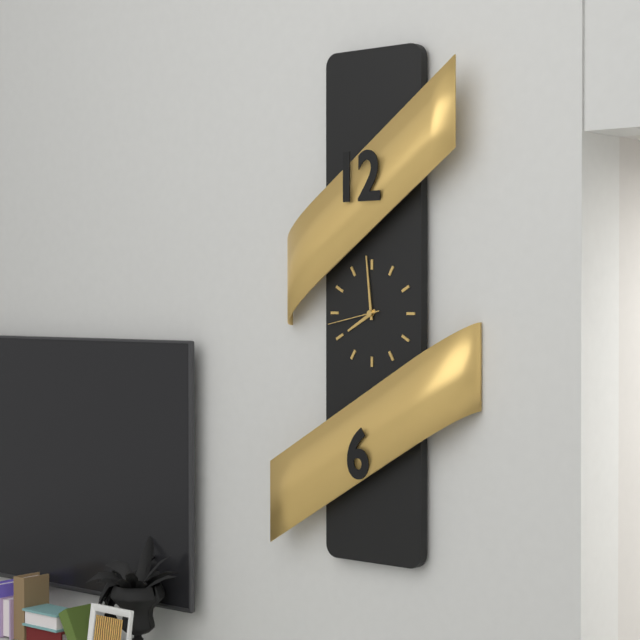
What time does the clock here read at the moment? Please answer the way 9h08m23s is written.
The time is 7h59m43s
